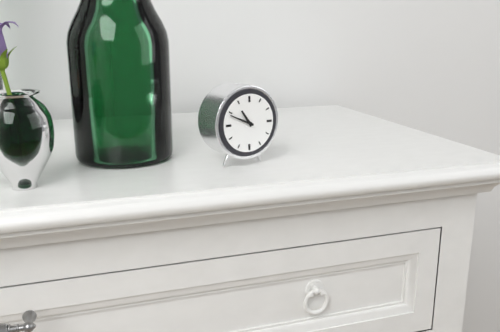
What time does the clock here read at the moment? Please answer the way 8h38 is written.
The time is 10h49
